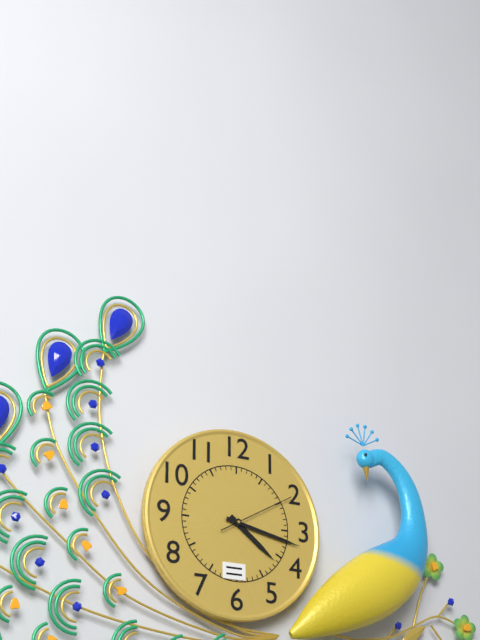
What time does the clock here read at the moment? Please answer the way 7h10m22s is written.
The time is 4h17m10s
